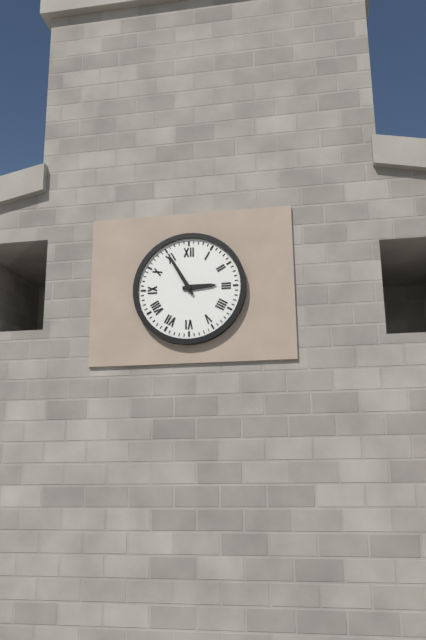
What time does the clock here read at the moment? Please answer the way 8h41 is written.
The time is 2h55
